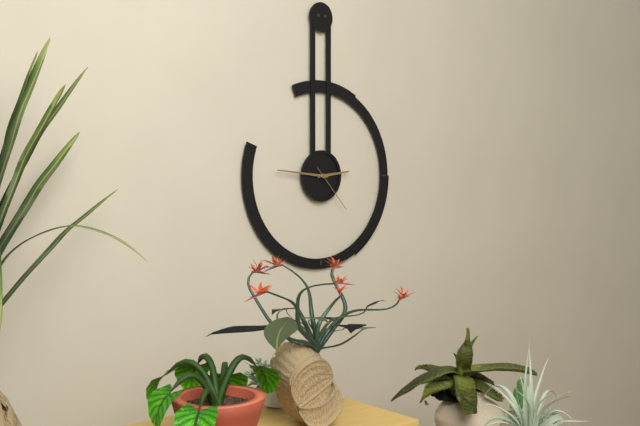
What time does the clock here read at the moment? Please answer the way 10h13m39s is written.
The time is 2h46m23s
